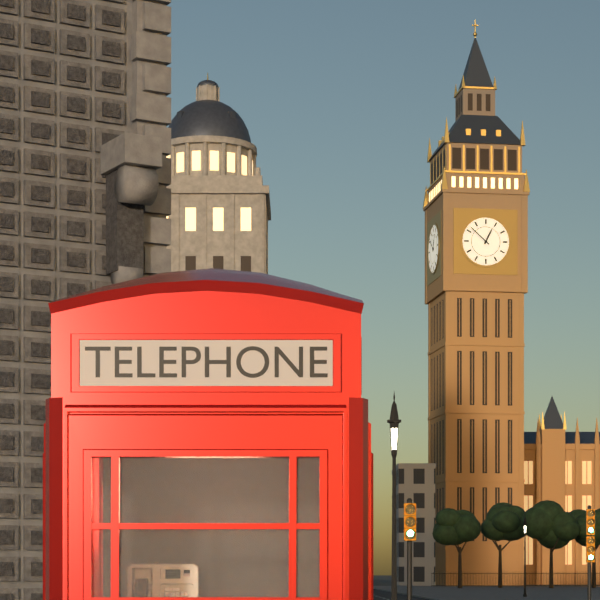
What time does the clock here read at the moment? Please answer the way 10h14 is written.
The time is 12h52
